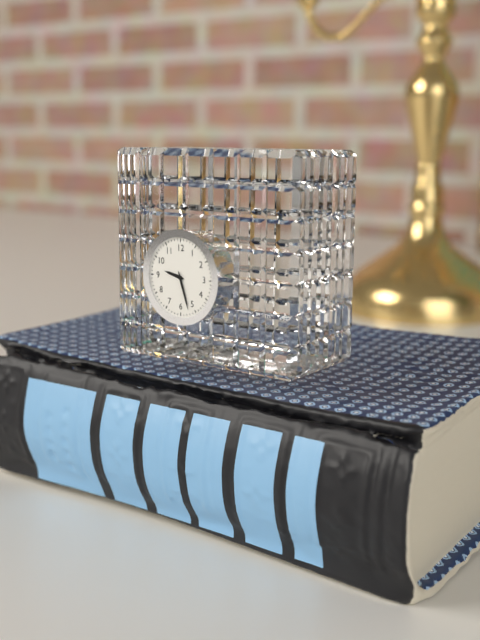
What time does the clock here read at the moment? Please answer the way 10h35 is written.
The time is 9h27
